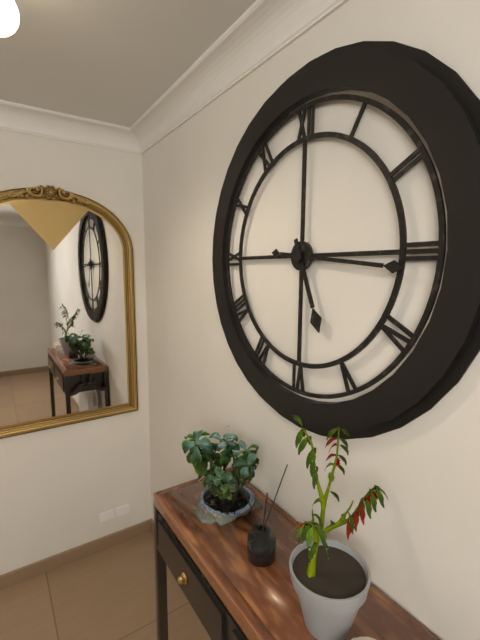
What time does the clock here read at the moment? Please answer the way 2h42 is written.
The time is 5h16
